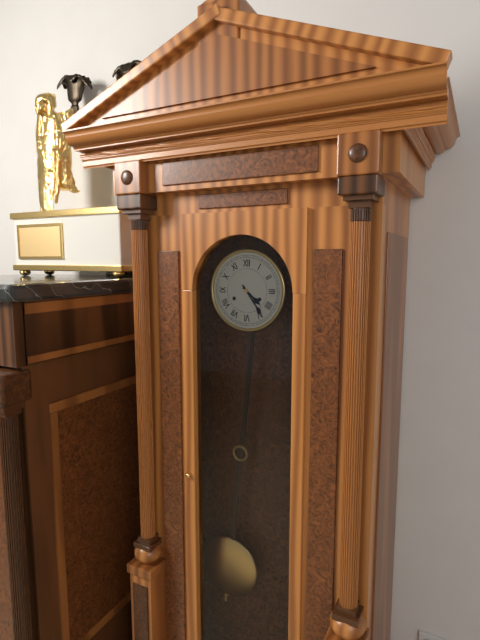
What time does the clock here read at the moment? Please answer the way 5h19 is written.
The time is 4h24
